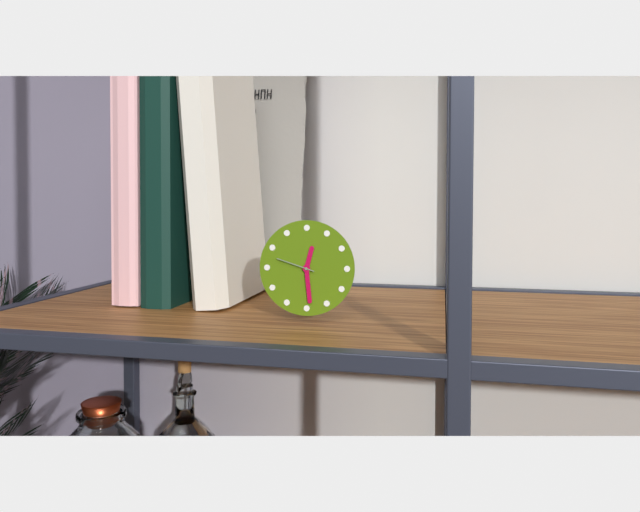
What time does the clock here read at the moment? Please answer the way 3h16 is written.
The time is 12h29
